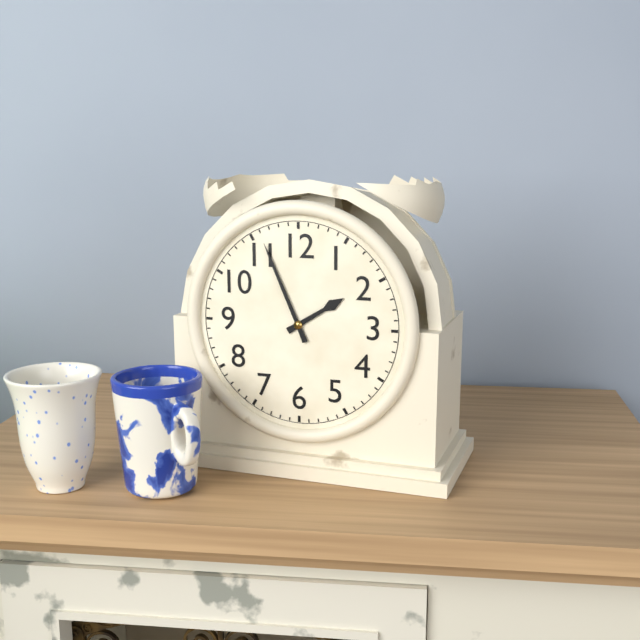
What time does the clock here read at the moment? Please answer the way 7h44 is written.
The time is 1h56
